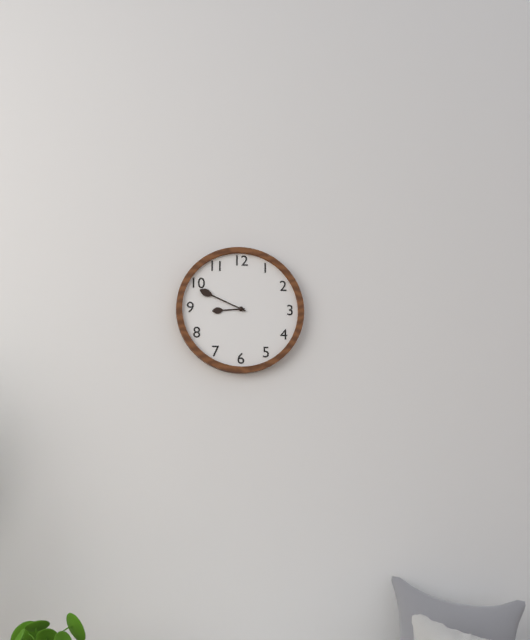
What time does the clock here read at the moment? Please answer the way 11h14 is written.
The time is 8h49
